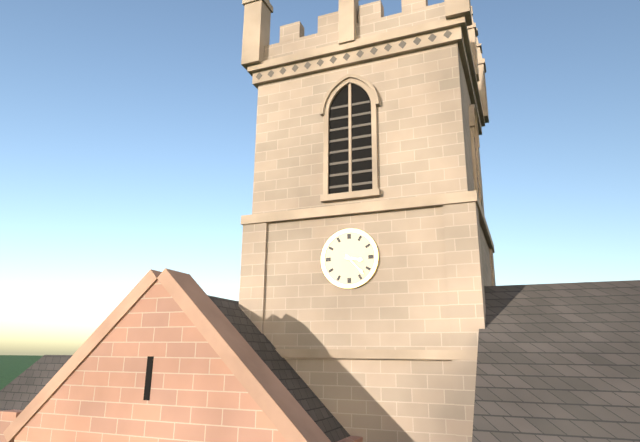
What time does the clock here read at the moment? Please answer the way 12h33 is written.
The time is 3h23
